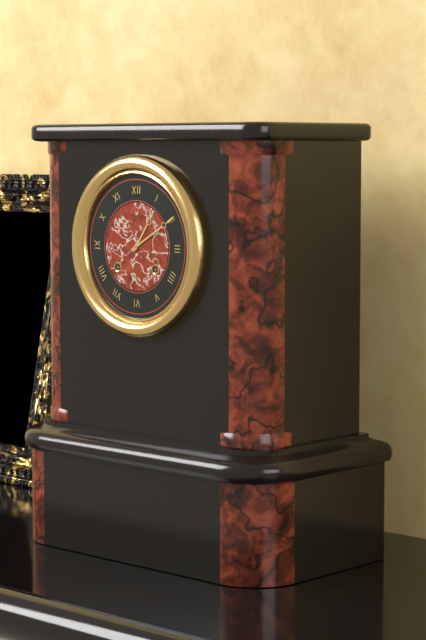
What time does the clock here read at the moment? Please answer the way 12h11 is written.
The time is 1h10
